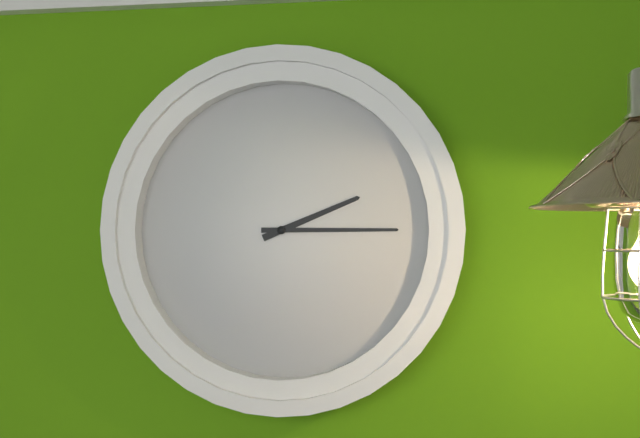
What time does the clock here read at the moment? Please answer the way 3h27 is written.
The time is 2h15
